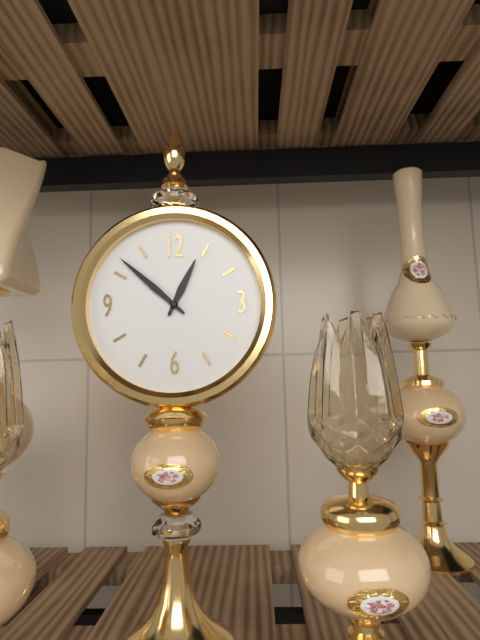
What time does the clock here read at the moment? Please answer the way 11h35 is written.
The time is 12h52
